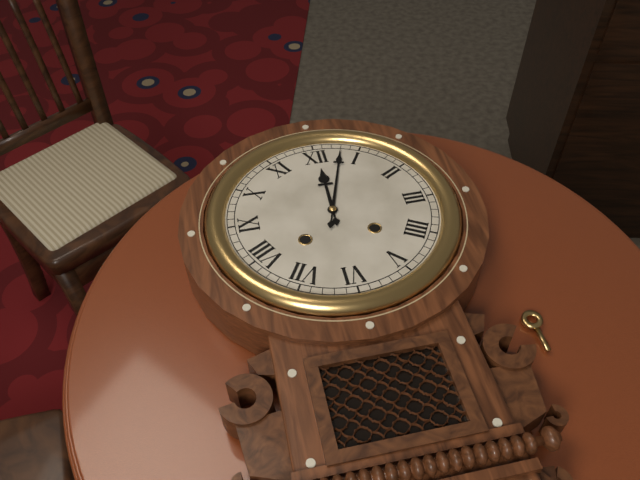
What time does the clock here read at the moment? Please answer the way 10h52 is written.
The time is 12h03
